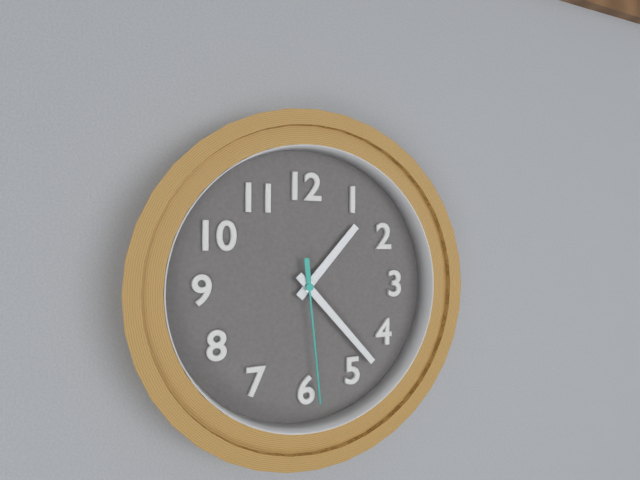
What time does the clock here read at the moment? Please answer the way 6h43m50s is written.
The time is 1h23m29s
